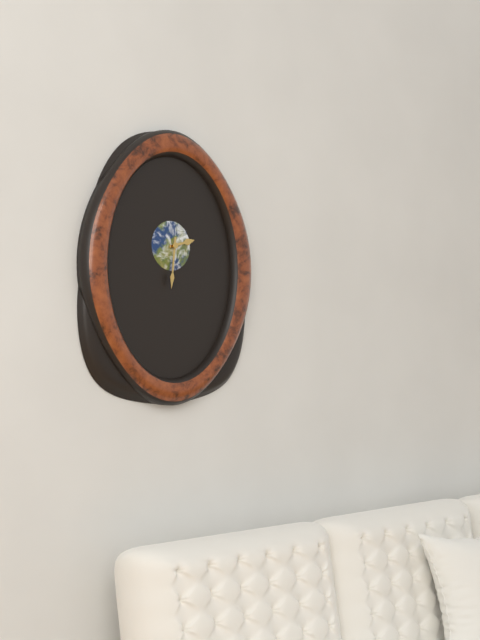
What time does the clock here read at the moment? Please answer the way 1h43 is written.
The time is 2h31
